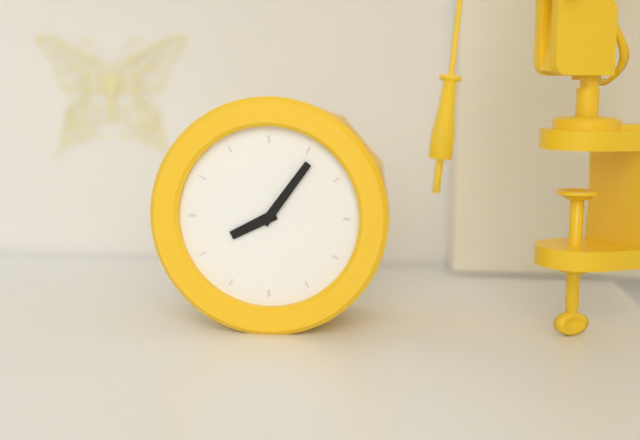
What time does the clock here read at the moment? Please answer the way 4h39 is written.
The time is 8h06
